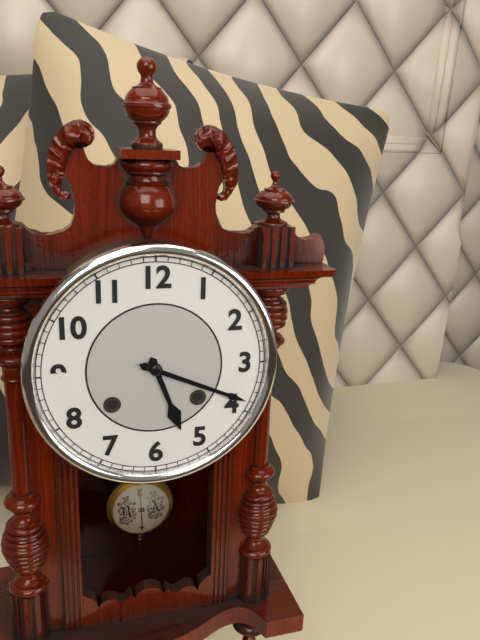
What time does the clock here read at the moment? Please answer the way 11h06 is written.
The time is 5h19
